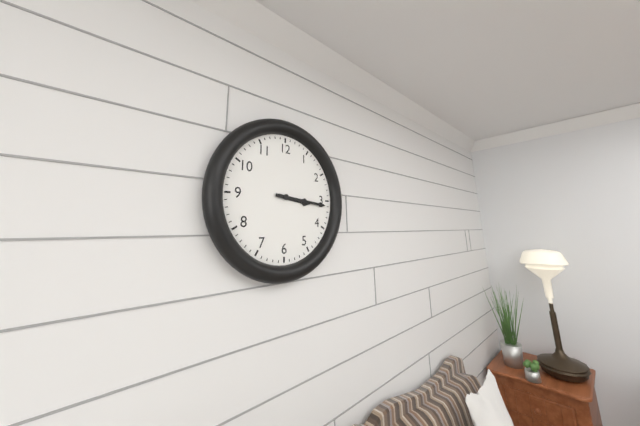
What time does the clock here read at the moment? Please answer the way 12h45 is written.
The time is 3h16
